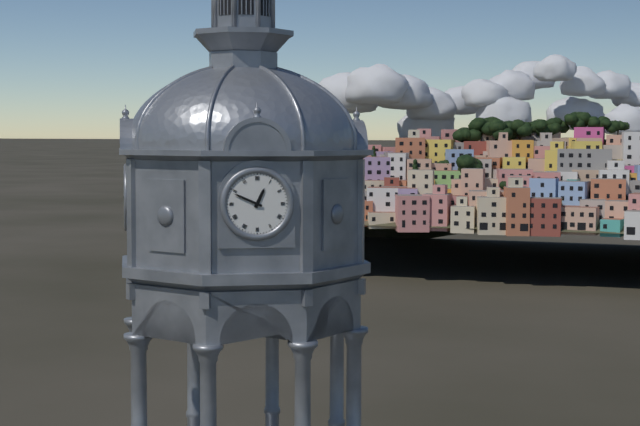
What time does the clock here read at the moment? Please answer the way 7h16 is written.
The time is 12h49
